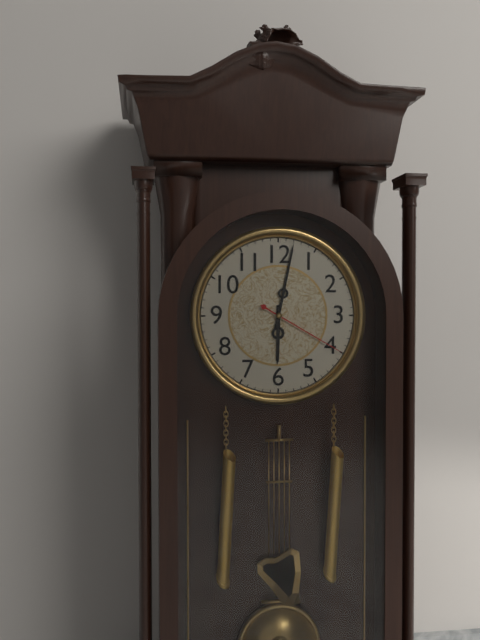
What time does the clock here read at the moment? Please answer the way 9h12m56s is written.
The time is 6h02m20s
